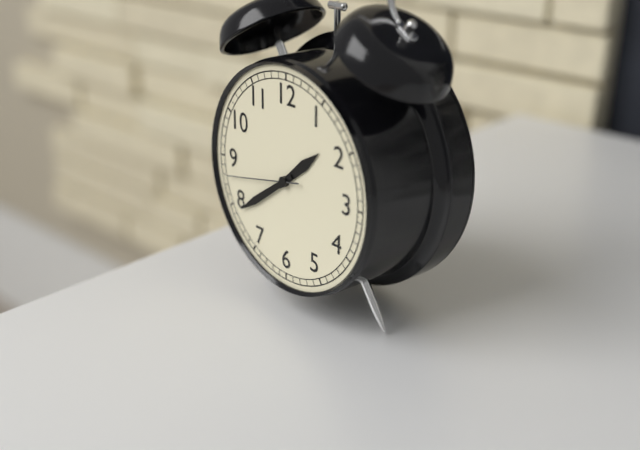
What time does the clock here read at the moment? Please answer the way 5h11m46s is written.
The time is 1h39m43s
